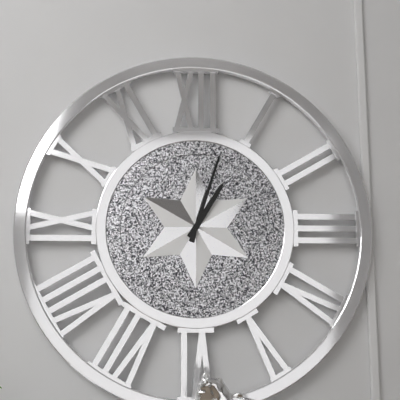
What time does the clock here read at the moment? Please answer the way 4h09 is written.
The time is 1h03
